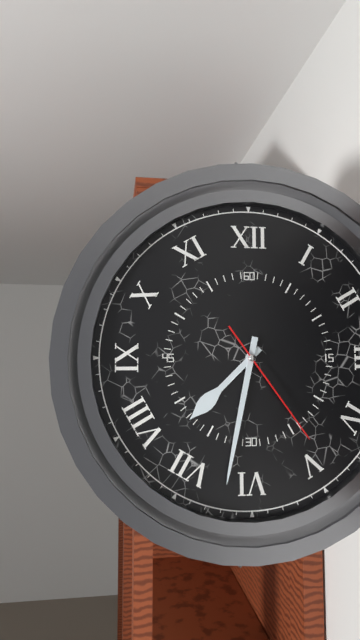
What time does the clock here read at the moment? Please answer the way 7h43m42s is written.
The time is 7h32m24s
